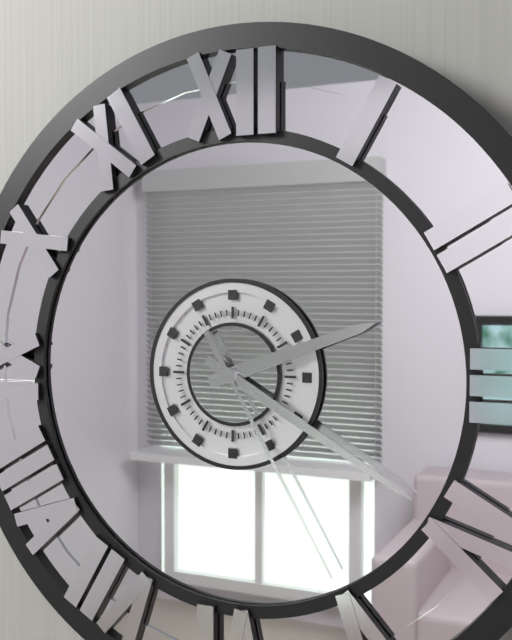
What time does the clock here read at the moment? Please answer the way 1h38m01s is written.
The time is 2h20m25s
